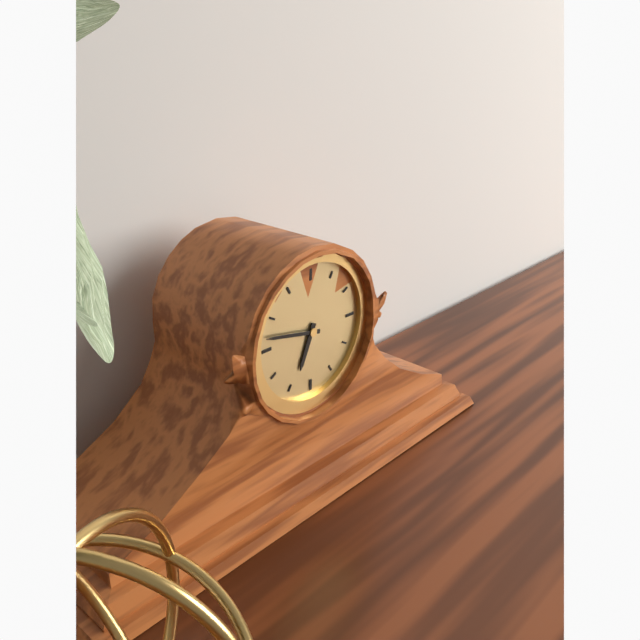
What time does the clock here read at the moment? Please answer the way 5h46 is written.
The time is 6h47
